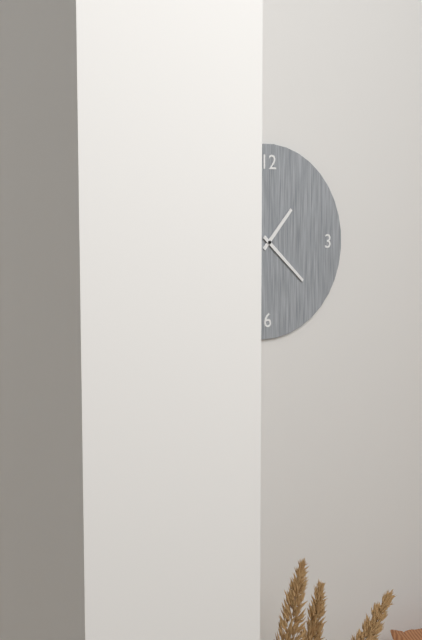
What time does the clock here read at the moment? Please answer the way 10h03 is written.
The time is 1h22
